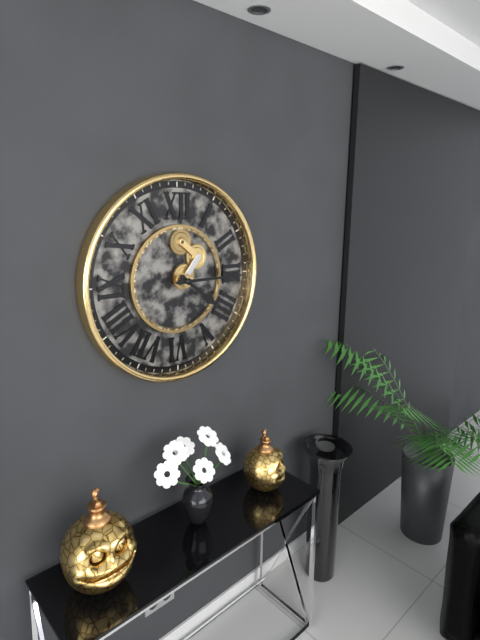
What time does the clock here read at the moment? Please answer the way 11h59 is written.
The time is 4h15
